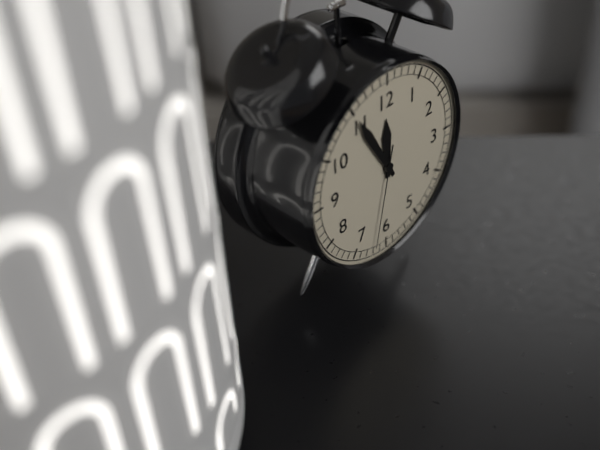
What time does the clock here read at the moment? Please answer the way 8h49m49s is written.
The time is 11h55m32s
